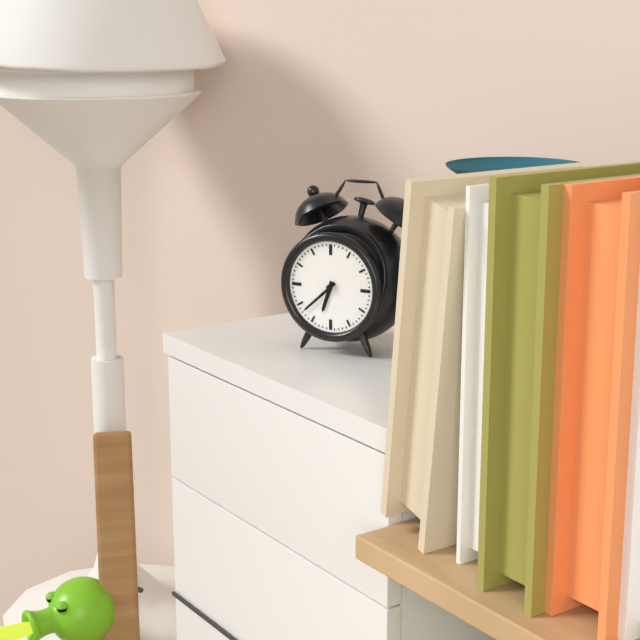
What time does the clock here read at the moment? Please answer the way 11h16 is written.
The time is 6h38
